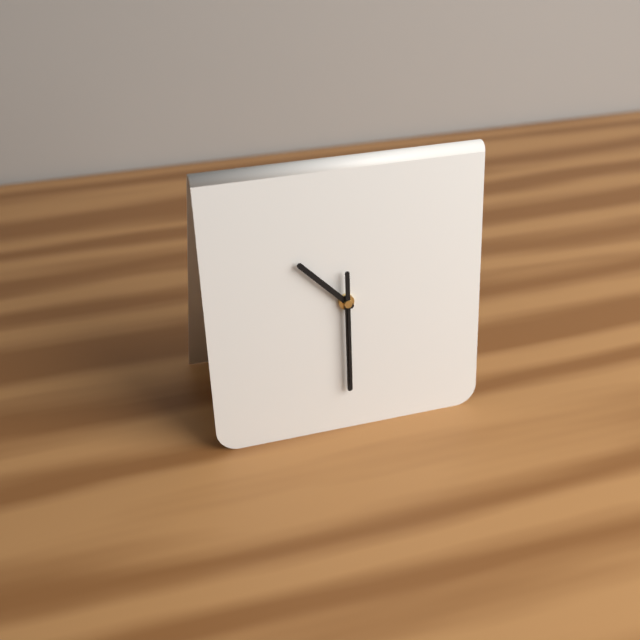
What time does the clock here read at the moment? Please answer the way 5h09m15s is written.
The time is 10h30m30s
